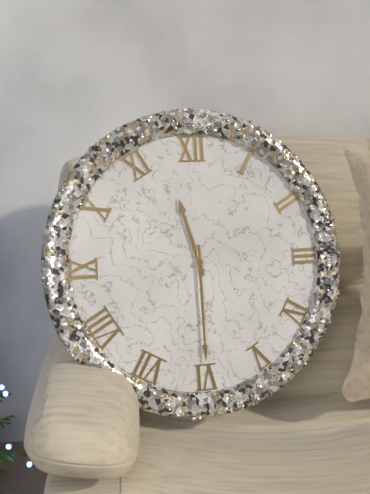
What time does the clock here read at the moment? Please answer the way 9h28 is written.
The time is 11h30
